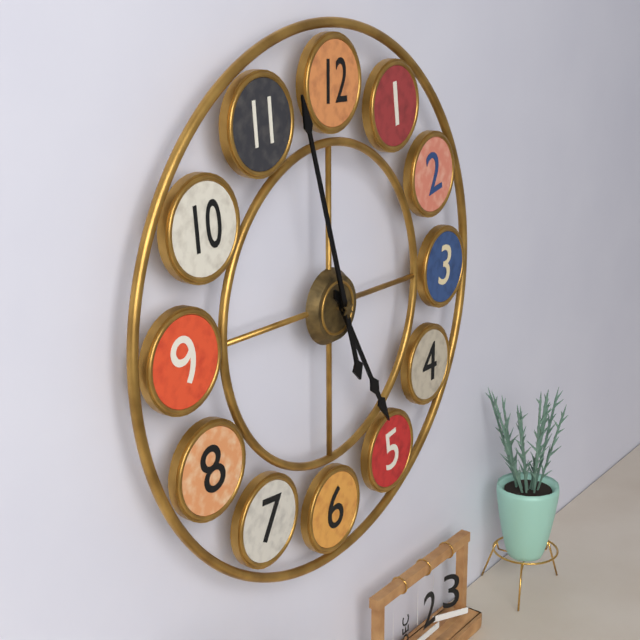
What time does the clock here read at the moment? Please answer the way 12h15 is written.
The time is 4h57
